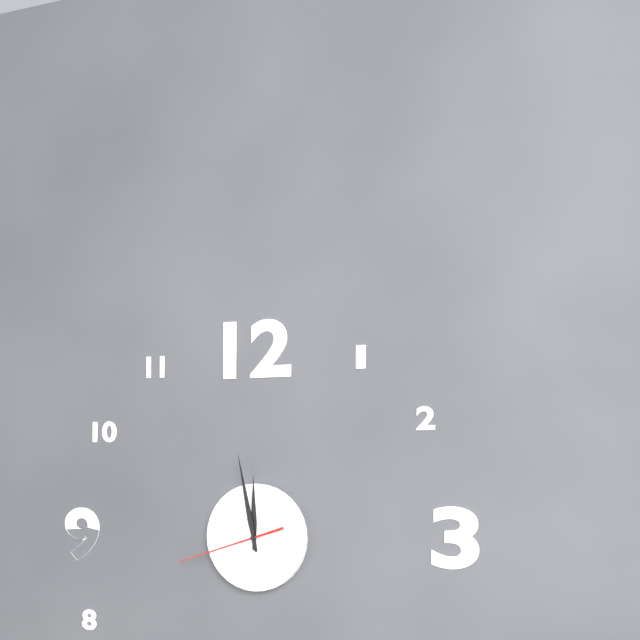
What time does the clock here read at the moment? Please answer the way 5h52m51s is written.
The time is 11h58m42s
